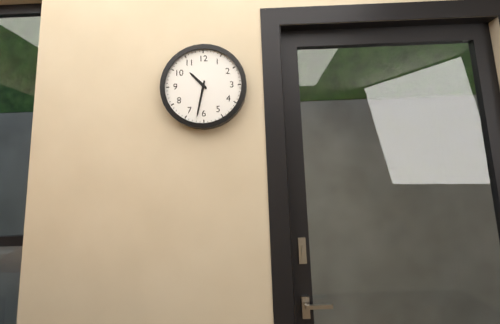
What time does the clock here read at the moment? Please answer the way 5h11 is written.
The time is 10h32
